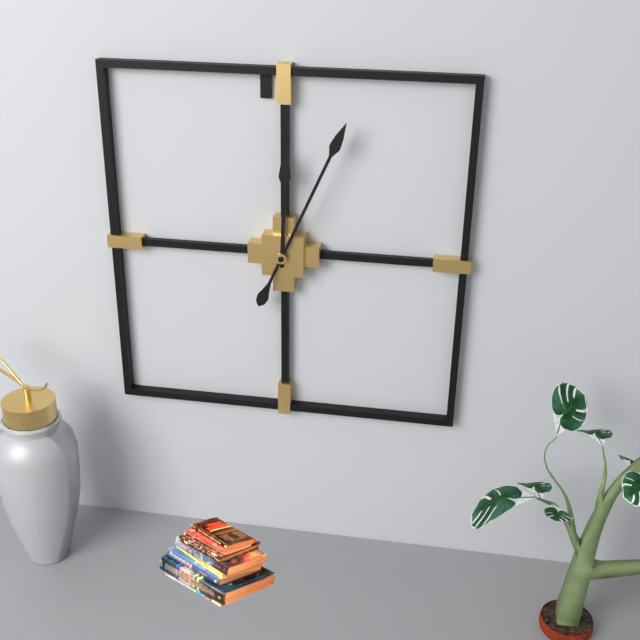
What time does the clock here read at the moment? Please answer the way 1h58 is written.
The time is 12h04
